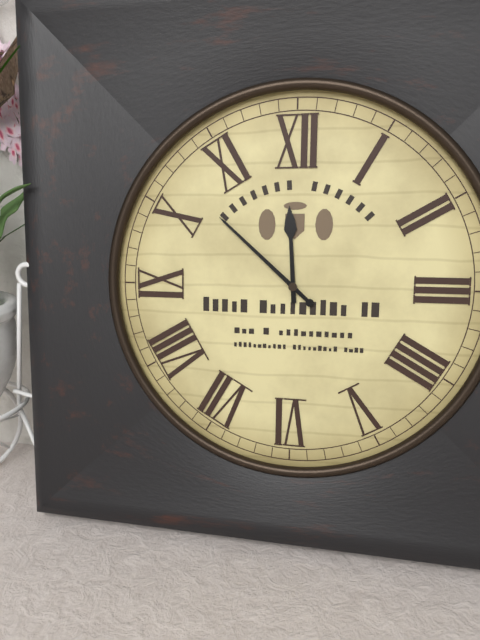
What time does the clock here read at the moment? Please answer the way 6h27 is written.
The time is 11h52
